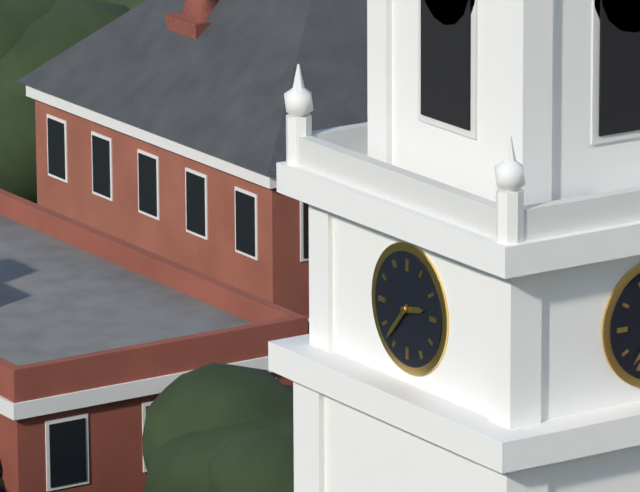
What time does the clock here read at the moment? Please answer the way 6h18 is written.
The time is 2h37
